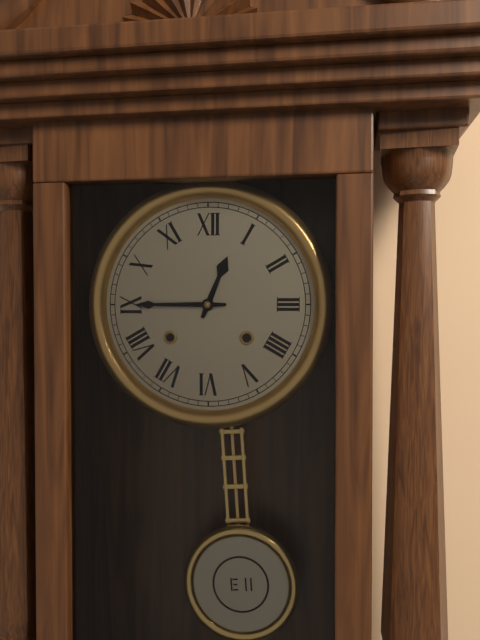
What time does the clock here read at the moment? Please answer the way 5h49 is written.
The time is 12h45
